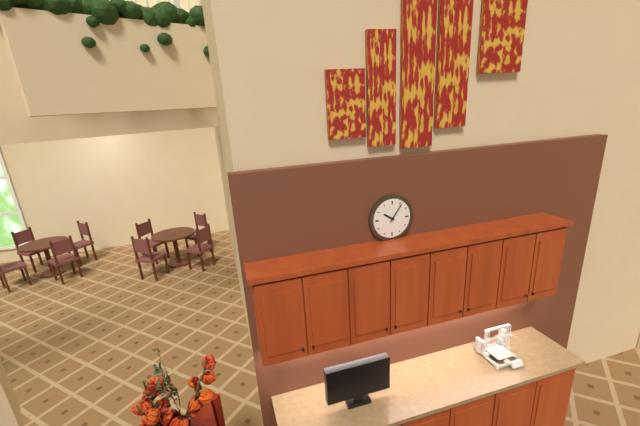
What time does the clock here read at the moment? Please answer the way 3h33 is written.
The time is 10h06
